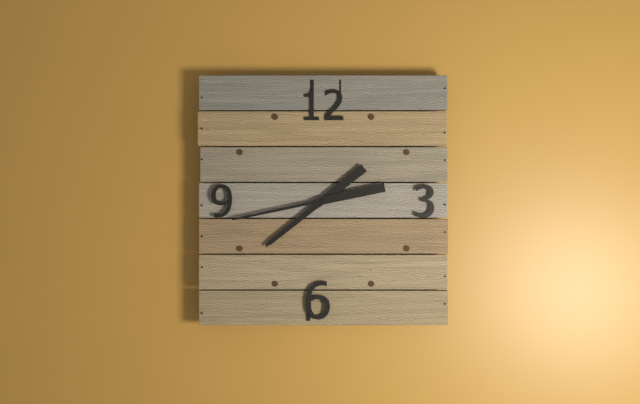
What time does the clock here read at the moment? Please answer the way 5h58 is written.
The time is 7h43
